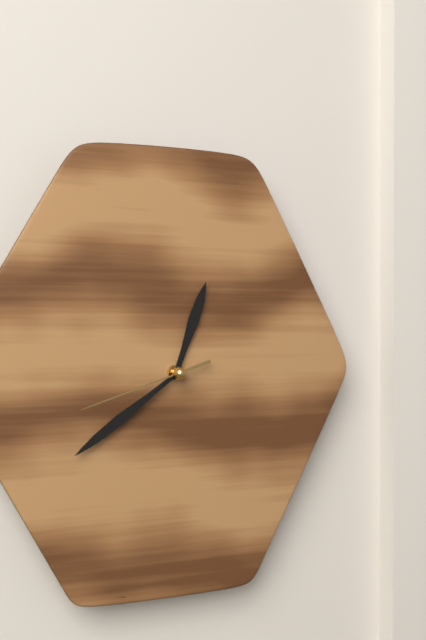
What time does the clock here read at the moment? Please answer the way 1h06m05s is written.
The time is 12h39m42s
